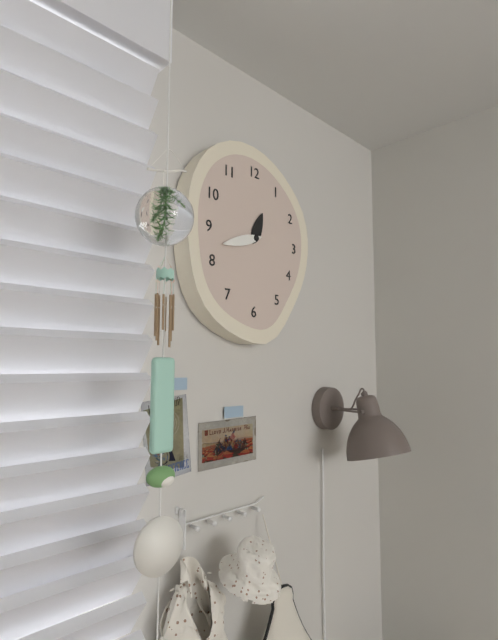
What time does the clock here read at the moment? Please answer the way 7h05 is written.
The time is 12h42
